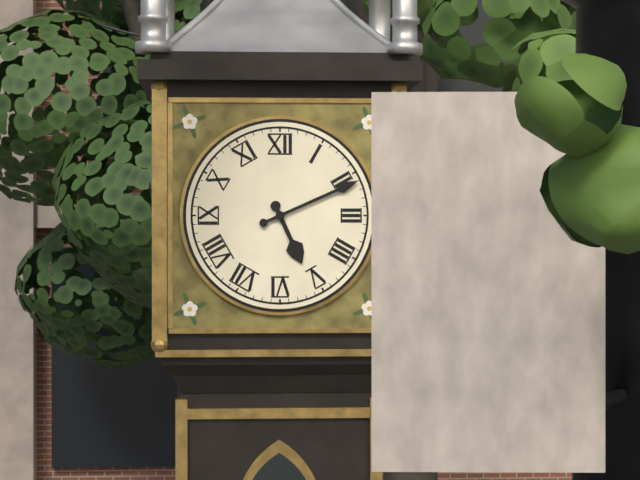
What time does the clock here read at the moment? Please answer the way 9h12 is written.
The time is 5h11
